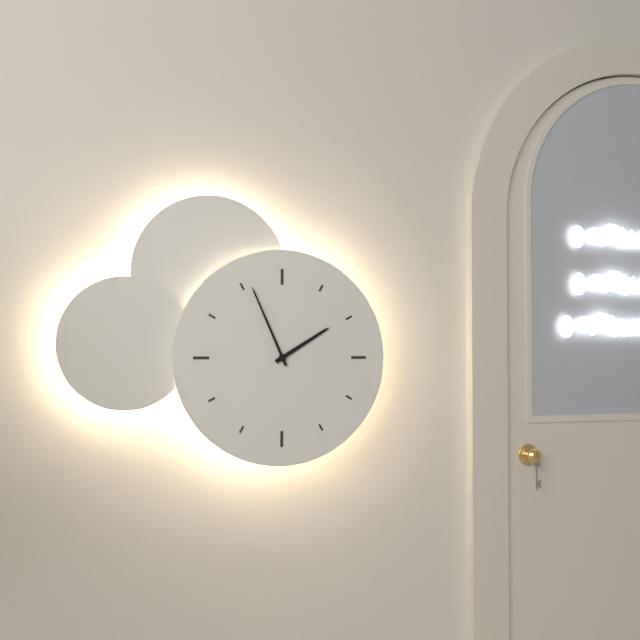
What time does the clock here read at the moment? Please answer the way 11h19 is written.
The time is 1h56
